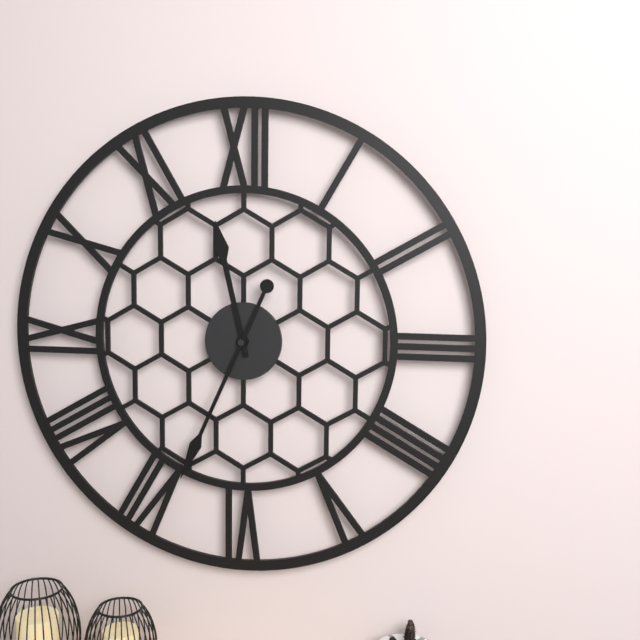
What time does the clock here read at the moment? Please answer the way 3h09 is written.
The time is 11h34
